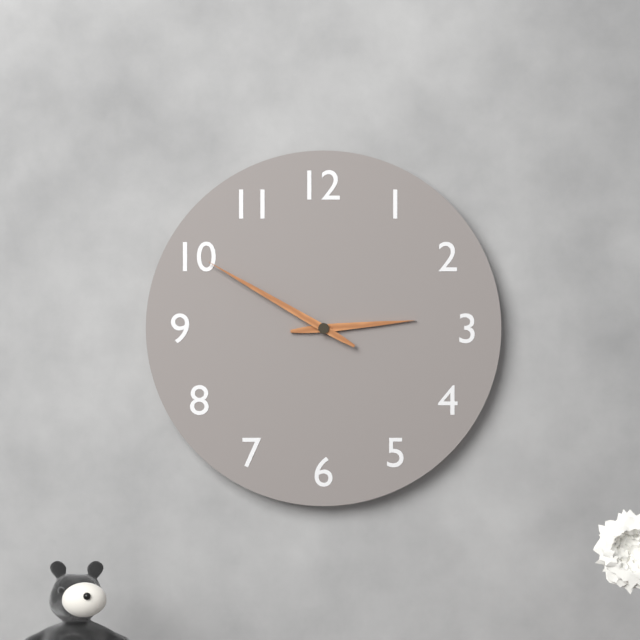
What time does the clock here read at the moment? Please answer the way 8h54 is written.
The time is 2h50
